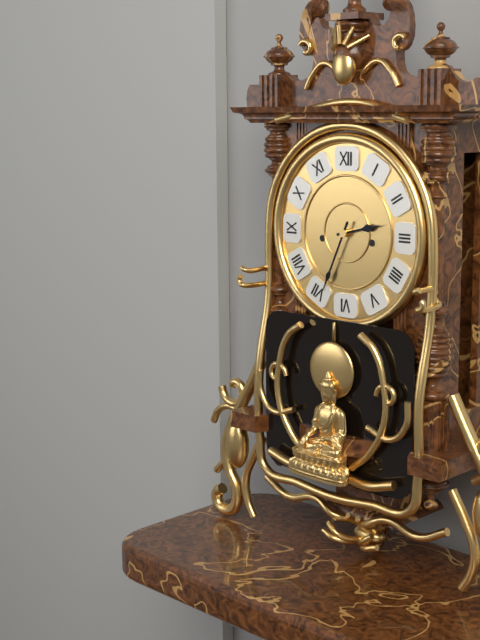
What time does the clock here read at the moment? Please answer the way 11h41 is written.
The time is 2h34
